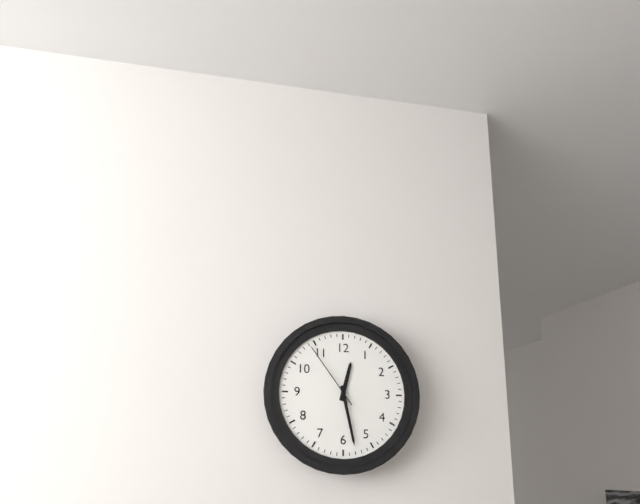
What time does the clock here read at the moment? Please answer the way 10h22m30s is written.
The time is 12h28m54s
